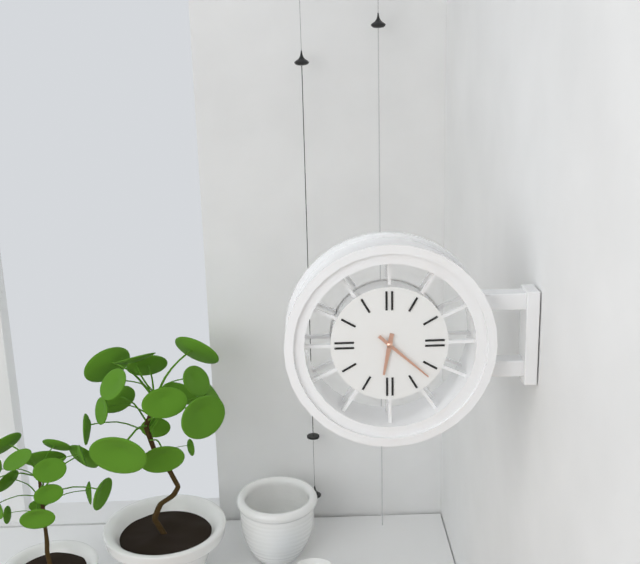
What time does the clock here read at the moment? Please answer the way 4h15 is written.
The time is 6h22
